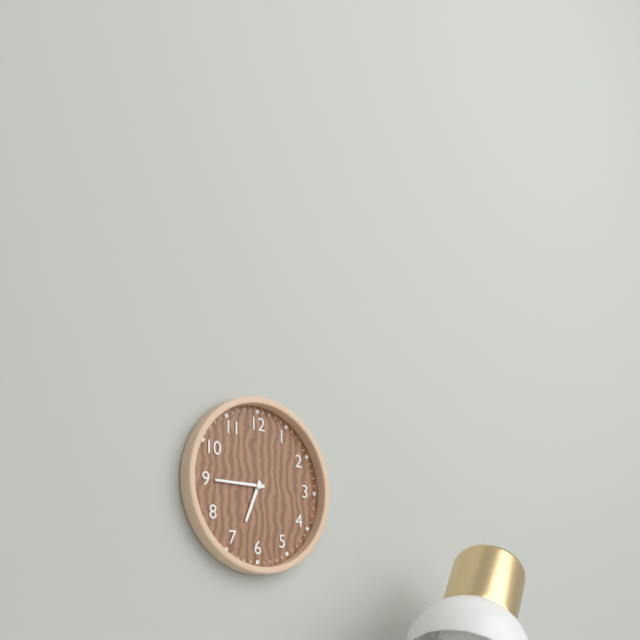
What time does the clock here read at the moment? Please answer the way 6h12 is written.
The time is 6h45
